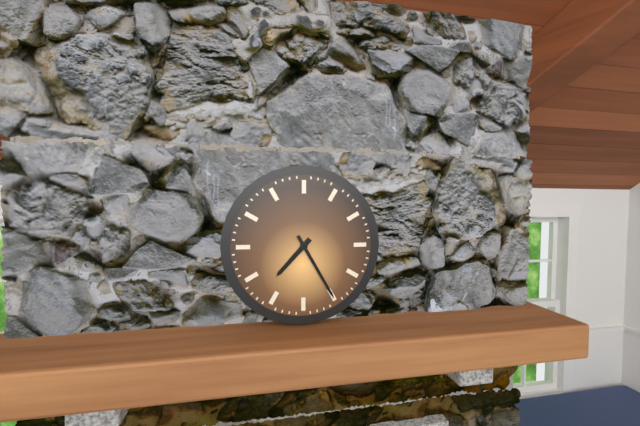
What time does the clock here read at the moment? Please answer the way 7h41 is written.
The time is 7h25
